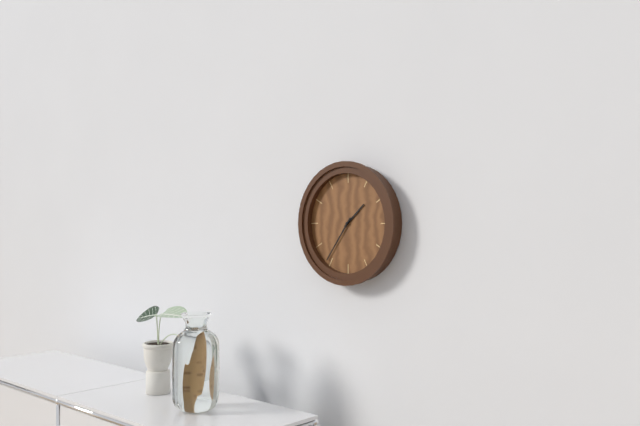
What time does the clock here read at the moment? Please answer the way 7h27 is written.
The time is 1h36
